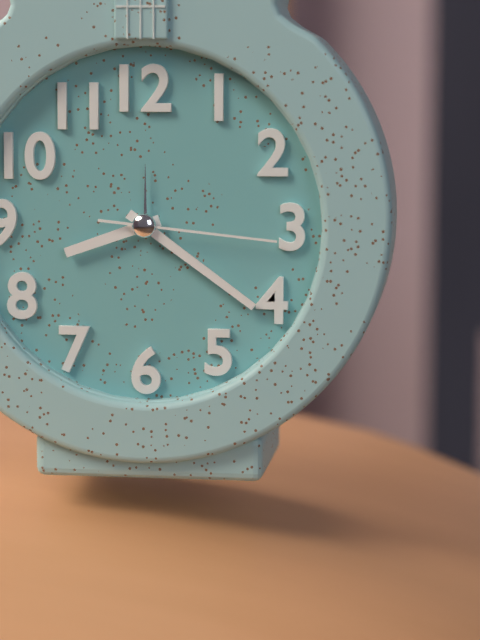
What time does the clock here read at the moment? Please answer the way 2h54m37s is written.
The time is 8h21m16s
